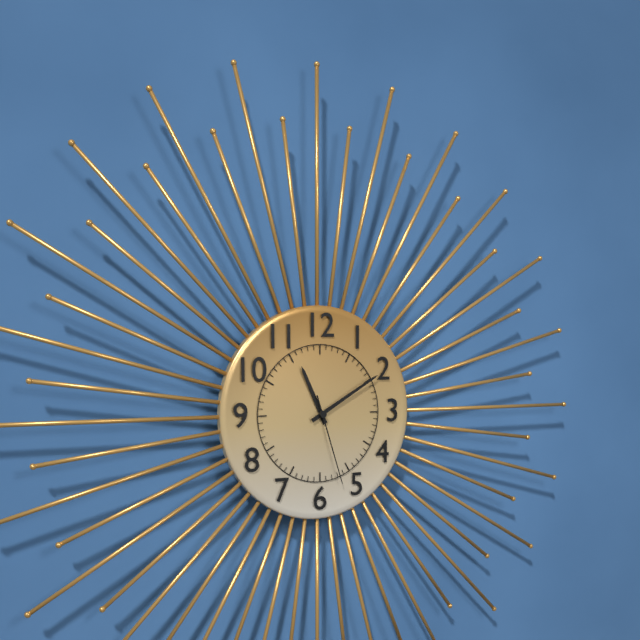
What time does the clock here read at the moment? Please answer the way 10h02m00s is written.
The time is 11h10m27s
